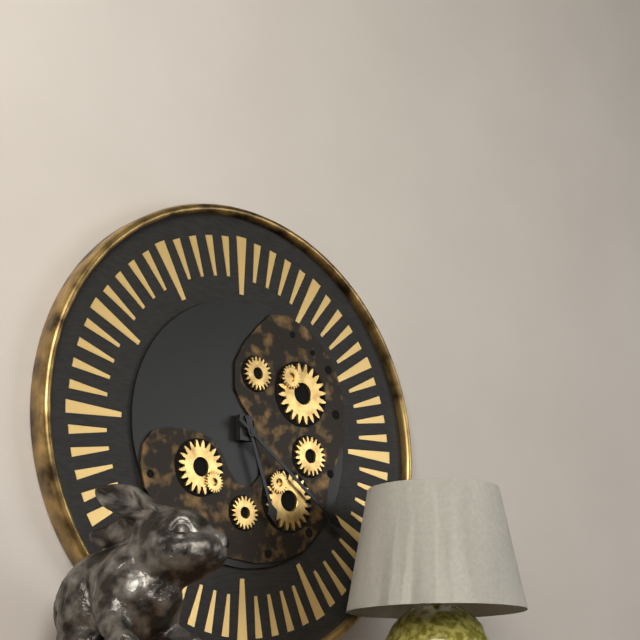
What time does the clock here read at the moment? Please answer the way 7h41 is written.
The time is 5h21
